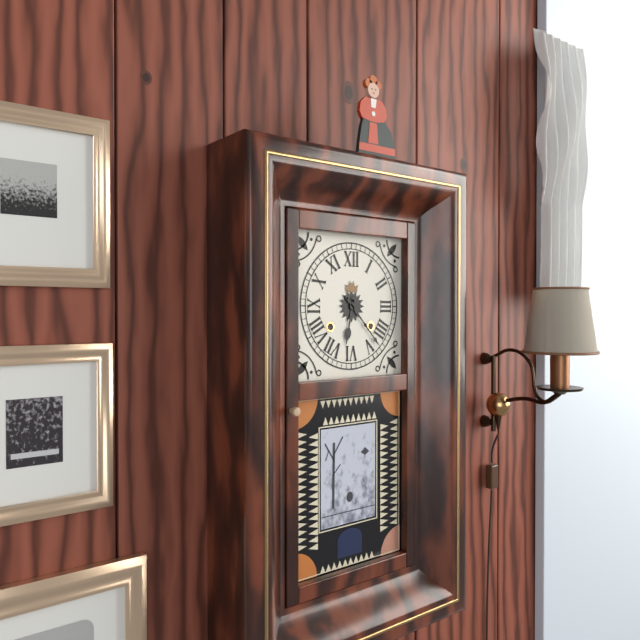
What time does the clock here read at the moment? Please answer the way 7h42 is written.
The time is 6h23
